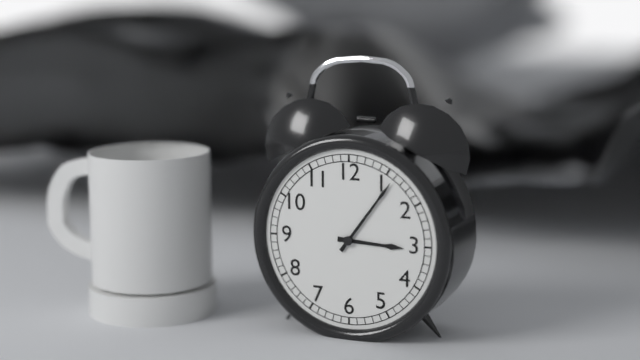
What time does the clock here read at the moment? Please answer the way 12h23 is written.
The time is 3h06
